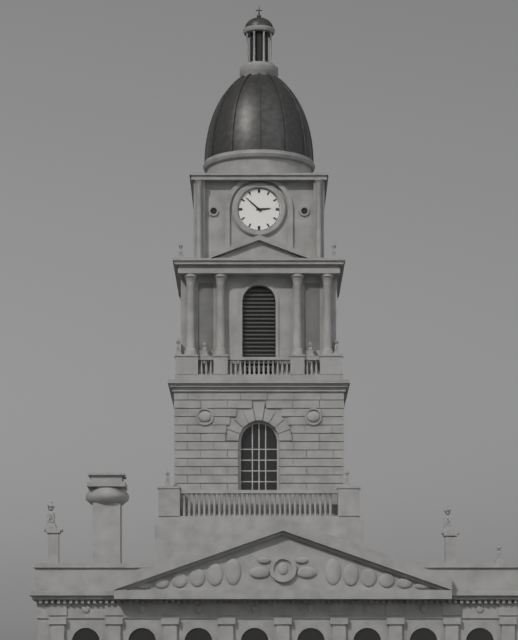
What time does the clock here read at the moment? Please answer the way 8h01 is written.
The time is 2h52
